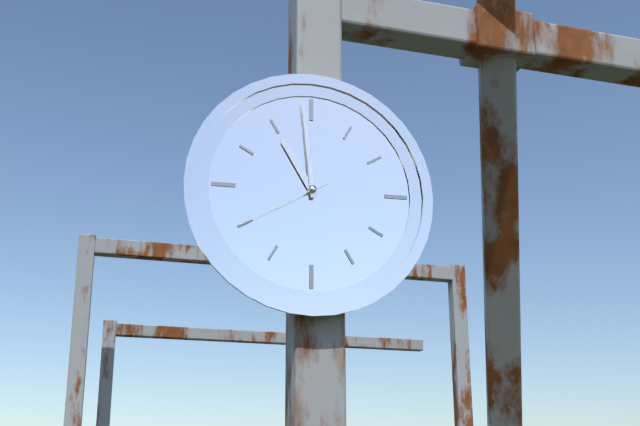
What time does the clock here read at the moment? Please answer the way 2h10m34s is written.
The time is 10h59m40s
